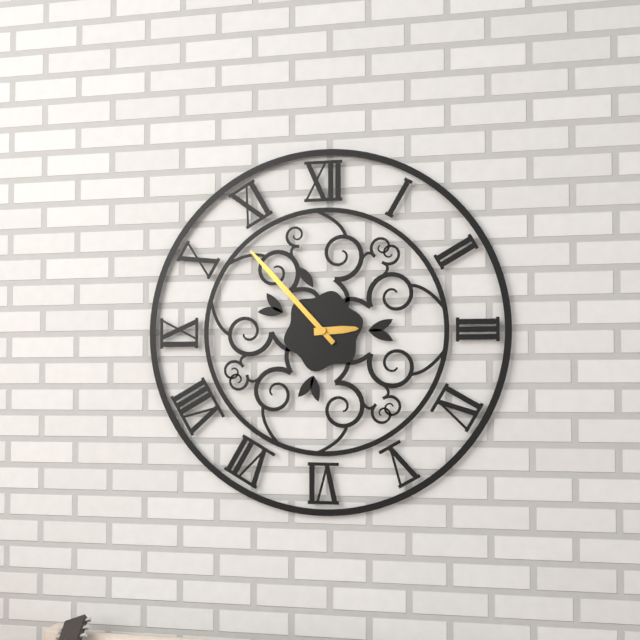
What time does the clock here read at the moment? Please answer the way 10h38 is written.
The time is 2h53
